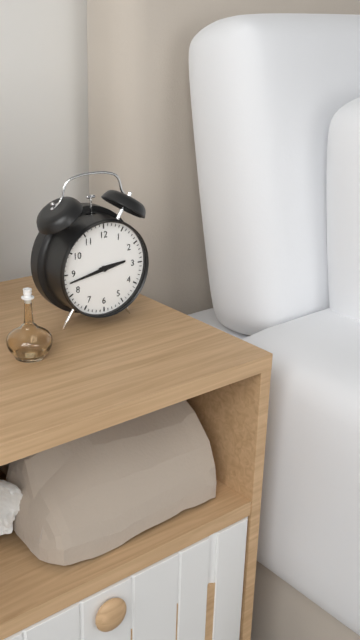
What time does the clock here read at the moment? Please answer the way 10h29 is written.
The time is 2h43
